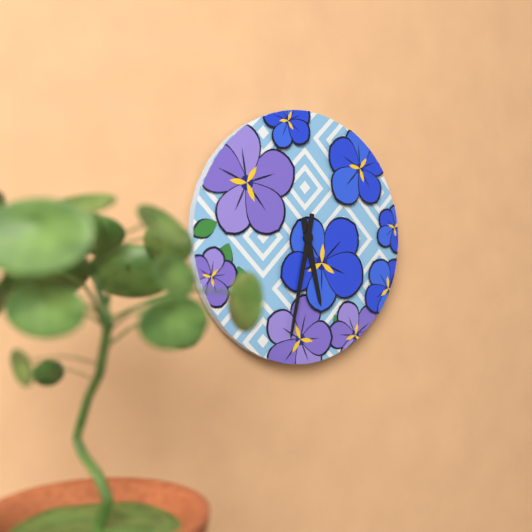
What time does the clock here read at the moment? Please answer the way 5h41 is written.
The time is 5h32
